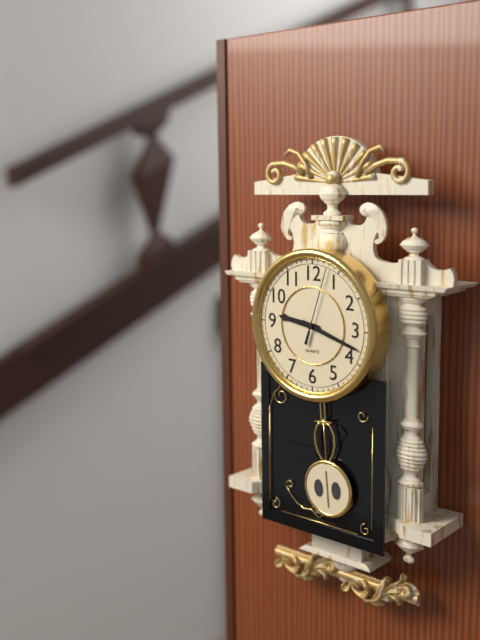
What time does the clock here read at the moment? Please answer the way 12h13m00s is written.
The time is 9h18m03s
